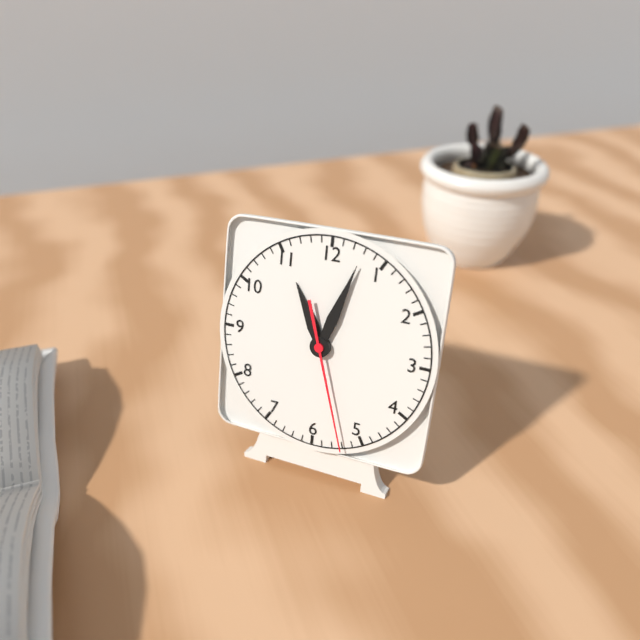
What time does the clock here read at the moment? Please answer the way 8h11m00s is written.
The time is 11h03m27s
